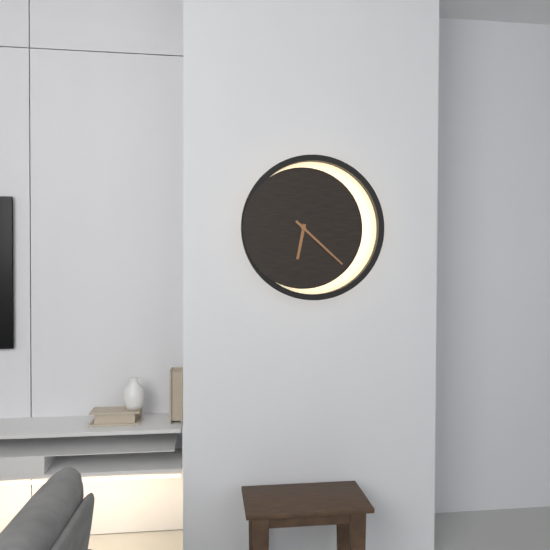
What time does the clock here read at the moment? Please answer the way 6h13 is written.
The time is 6h22
